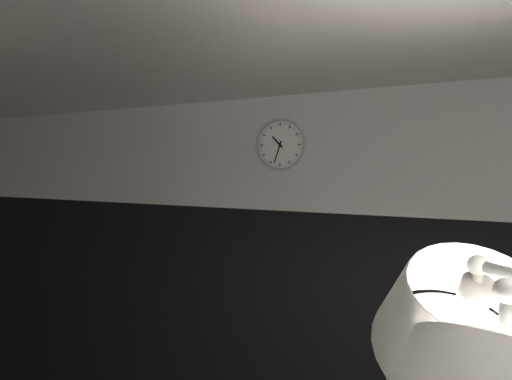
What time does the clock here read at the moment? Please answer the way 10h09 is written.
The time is 10h33
